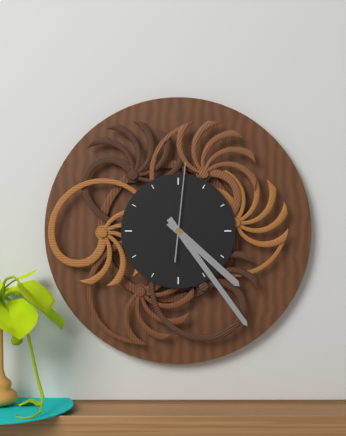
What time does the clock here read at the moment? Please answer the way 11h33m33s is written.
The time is 4h24m01s
